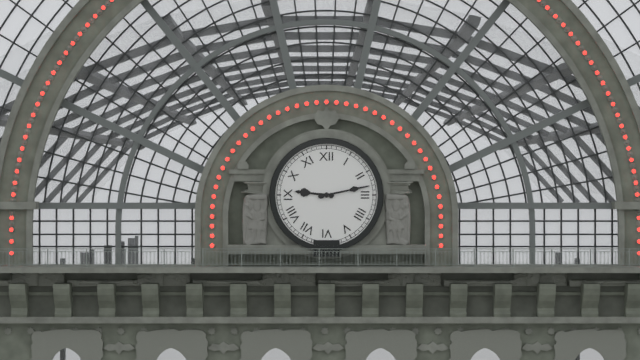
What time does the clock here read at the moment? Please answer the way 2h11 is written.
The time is 9h13
